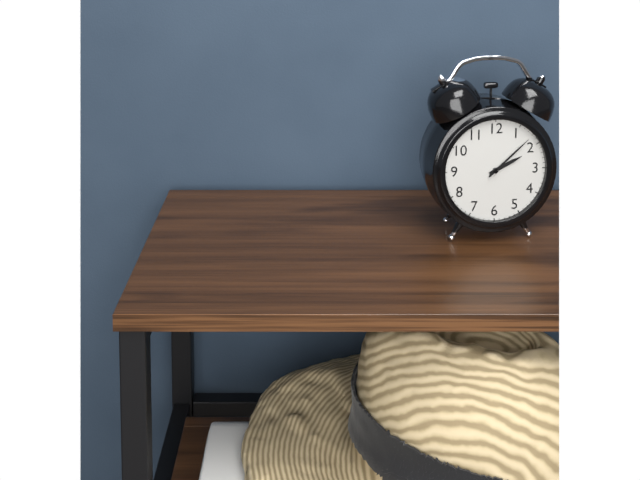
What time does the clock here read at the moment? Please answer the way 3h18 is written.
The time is 2h08
